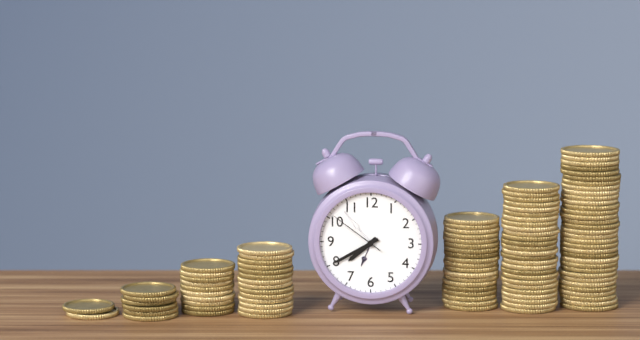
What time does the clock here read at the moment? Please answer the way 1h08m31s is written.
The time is 7h40m51s
